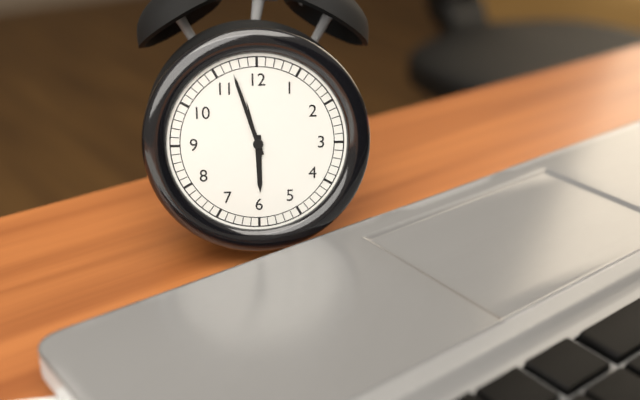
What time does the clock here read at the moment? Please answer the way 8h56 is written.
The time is 5h57
